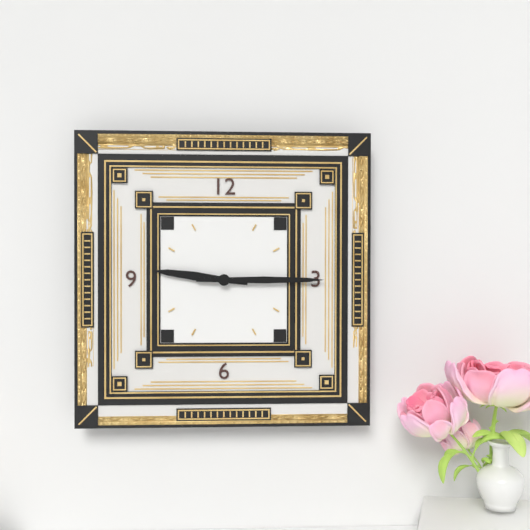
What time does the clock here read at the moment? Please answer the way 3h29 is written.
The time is 9h15
